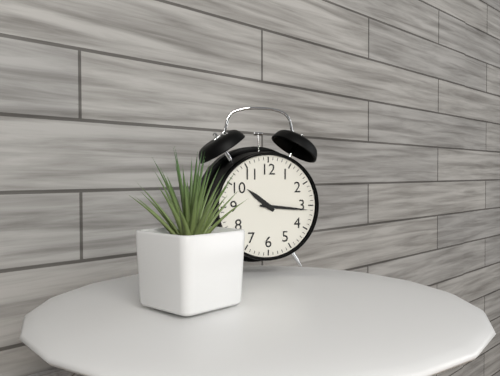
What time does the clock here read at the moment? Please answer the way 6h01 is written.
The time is 10h16
